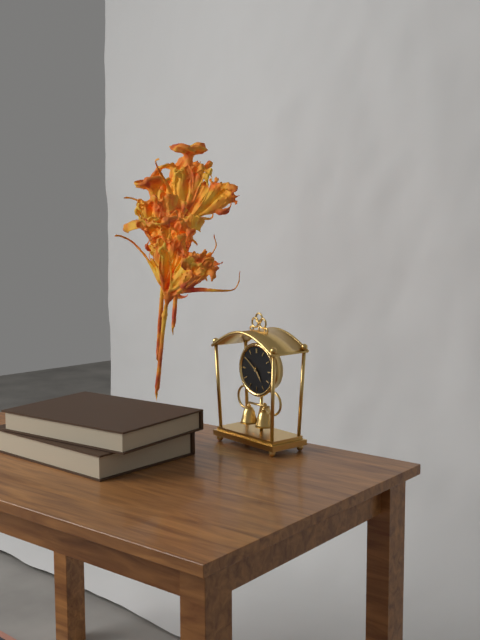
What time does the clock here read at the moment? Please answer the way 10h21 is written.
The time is 4h51
